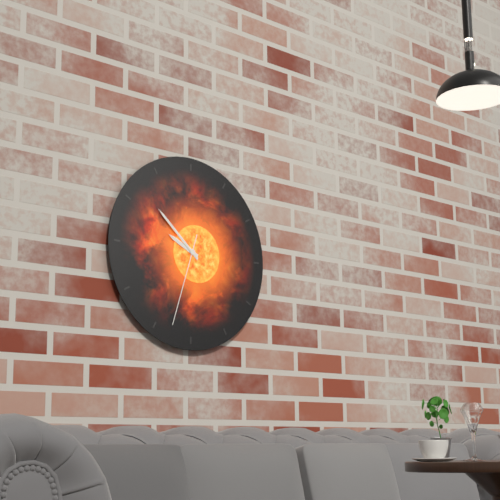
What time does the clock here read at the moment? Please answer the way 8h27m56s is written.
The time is 9h52m33s
